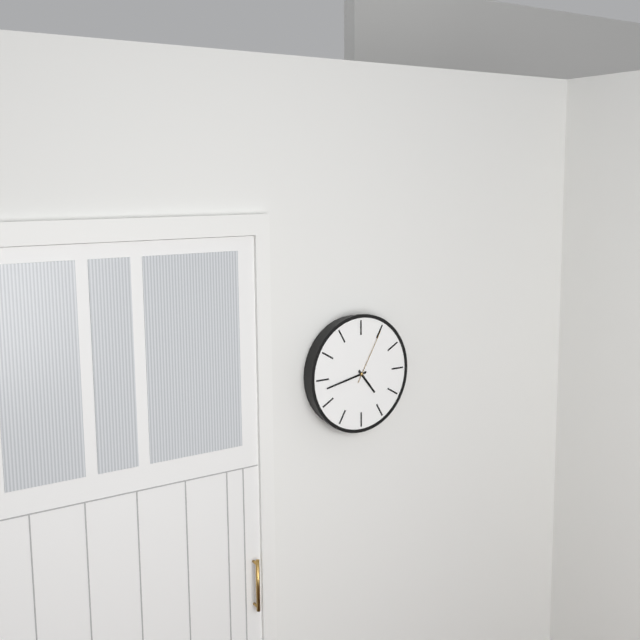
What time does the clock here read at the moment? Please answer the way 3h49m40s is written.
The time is 4h43m05s
